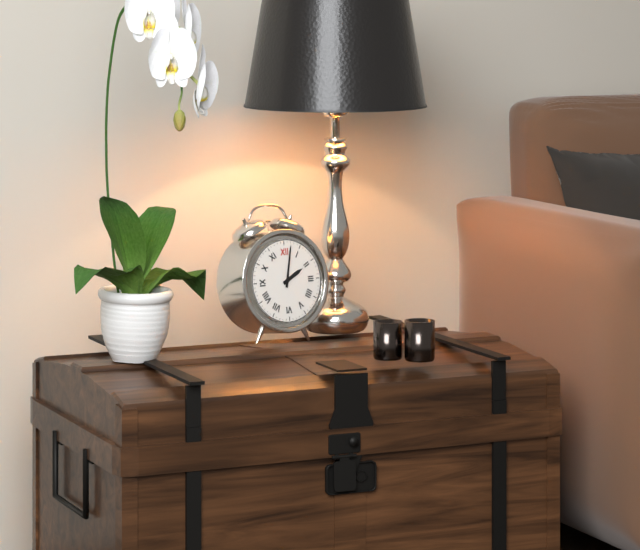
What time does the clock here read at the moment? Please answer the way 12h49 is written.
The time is 2h02
